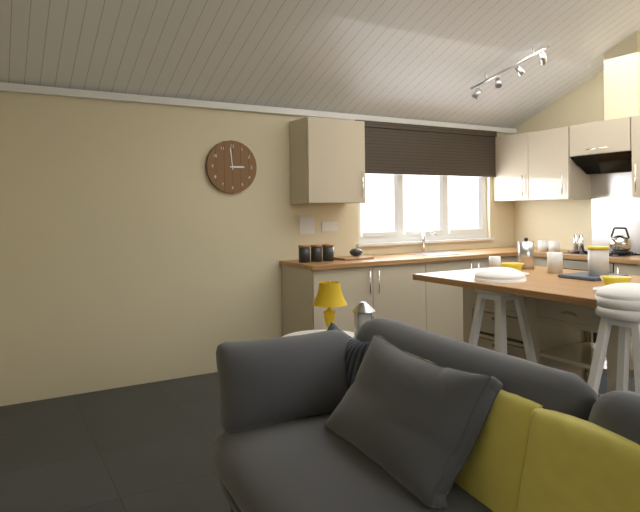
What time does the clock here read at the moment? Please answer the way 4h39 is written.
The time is 2h59
